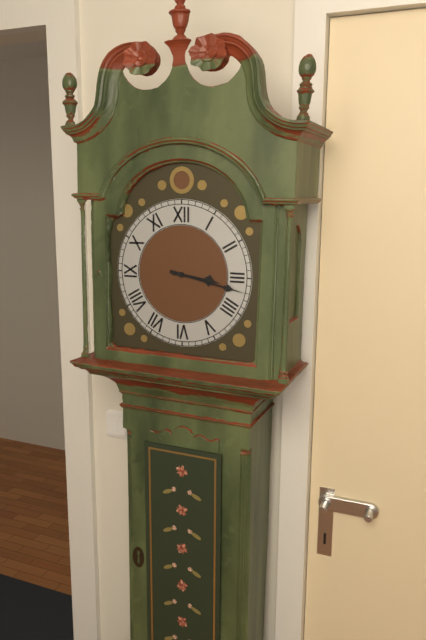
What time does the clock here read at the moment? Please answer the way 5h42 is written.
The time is 3h17
